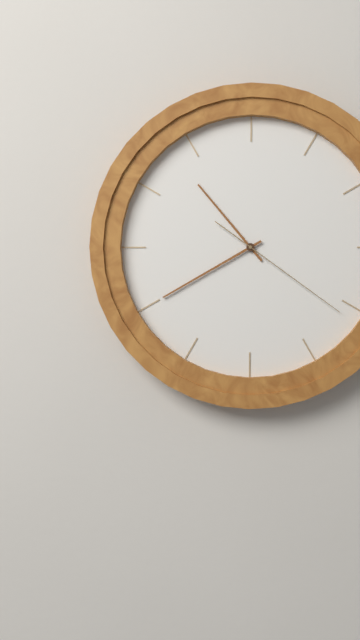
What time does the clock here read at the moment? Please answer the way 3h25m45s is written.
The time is 10h40m21s
